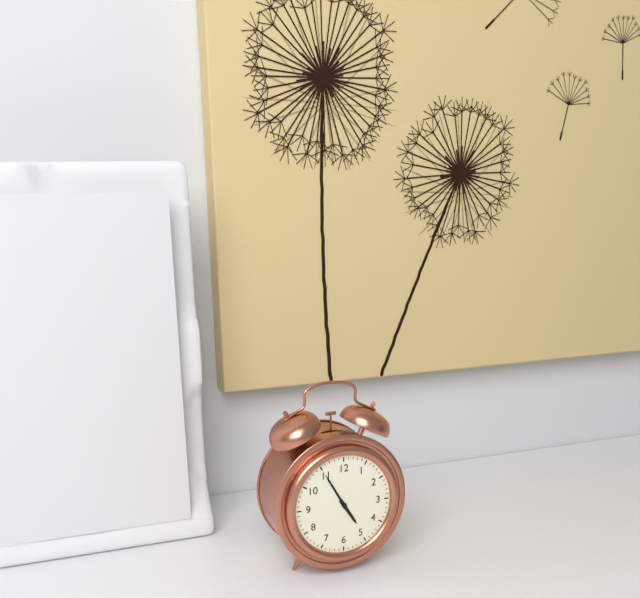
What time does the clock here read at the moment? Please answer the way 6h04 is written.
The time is 4h55
